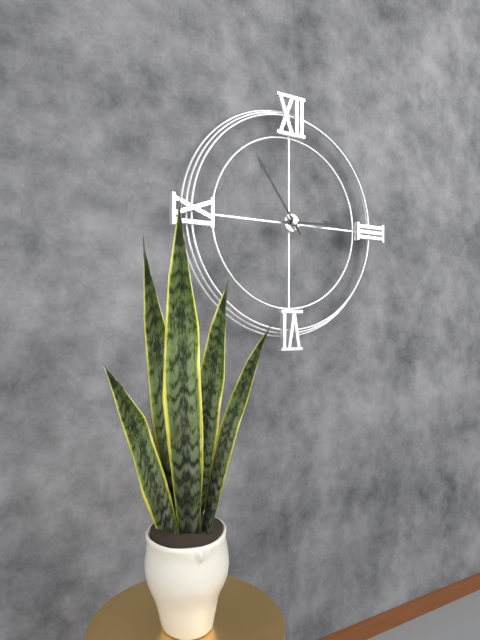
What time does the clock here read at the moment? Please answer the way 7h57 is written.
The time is 2h54
